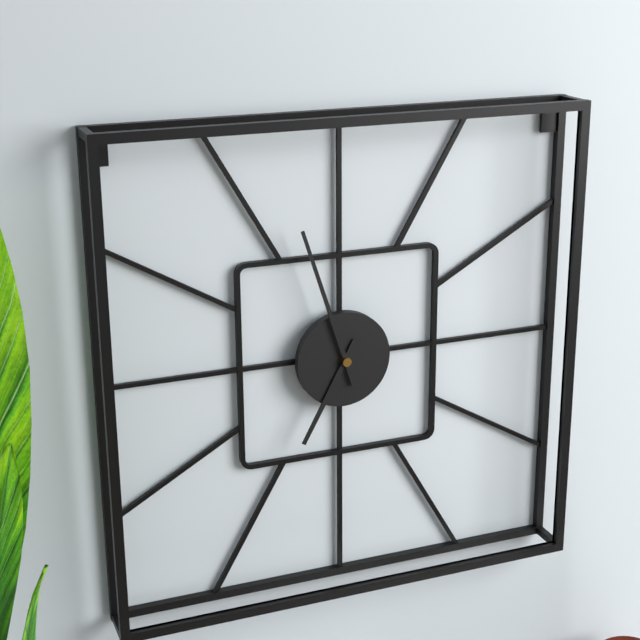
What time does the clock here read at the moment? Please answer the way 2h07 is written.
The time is 6h57
